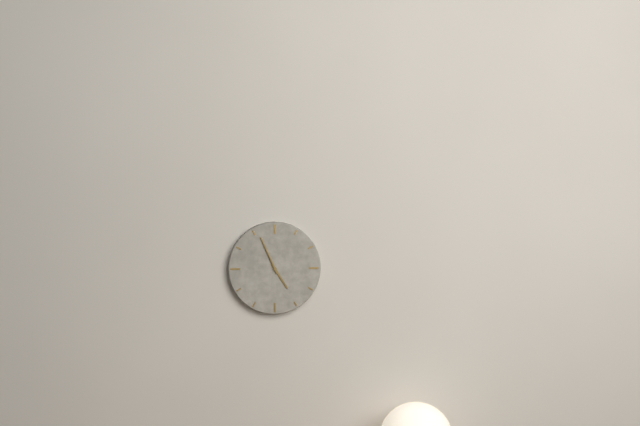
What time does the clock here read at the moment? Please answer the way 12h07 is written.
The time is 4h56
